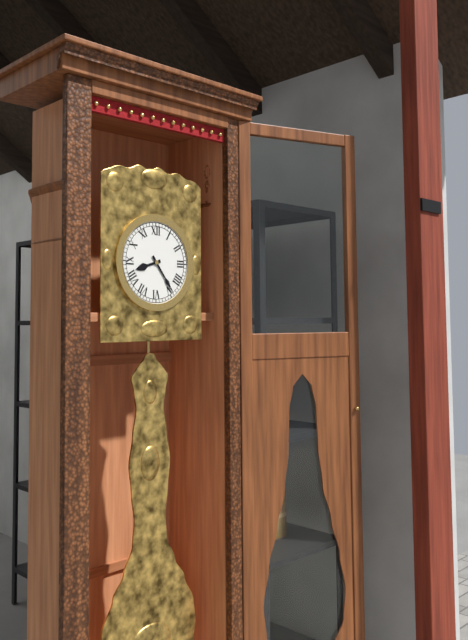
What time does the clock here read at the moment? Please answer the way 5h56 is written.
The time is 8h24
